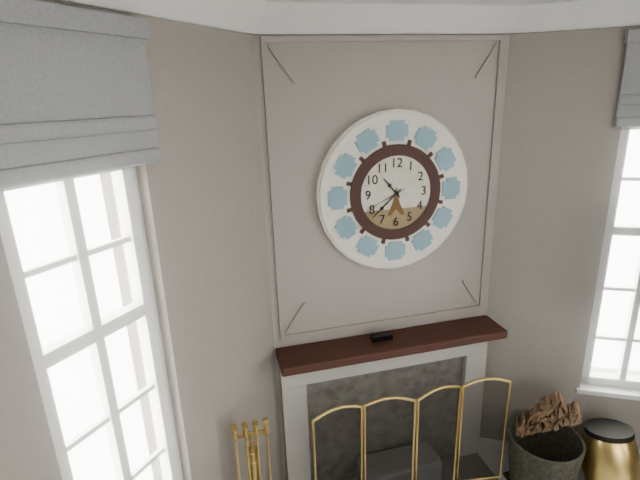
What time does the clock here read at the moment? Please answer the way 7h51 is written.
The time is 10h38
